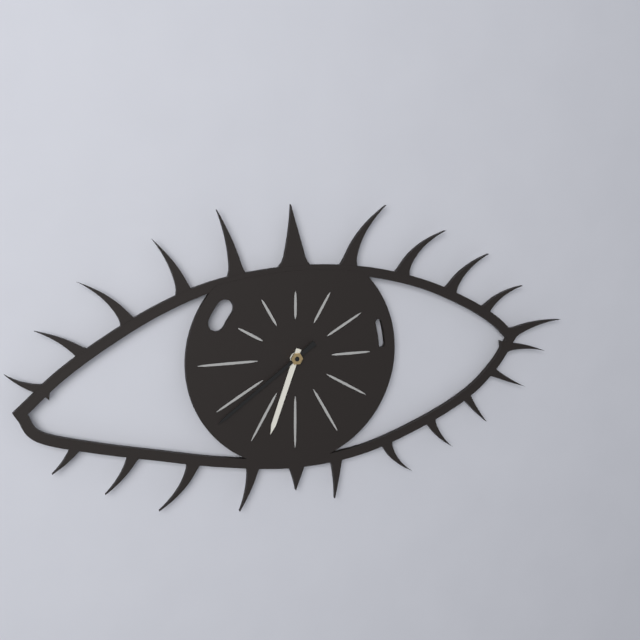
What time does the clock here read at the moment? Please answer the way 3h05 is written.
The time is 6h39
